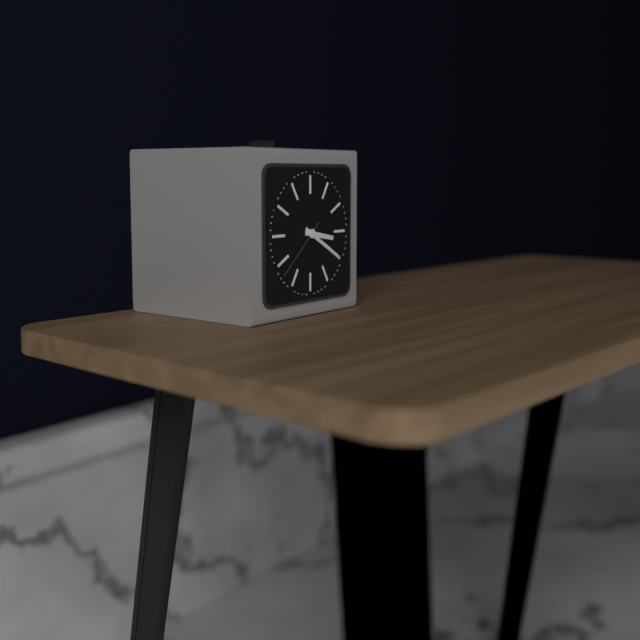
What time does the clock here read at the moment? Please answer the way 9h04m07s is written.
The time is 3h20m38s
